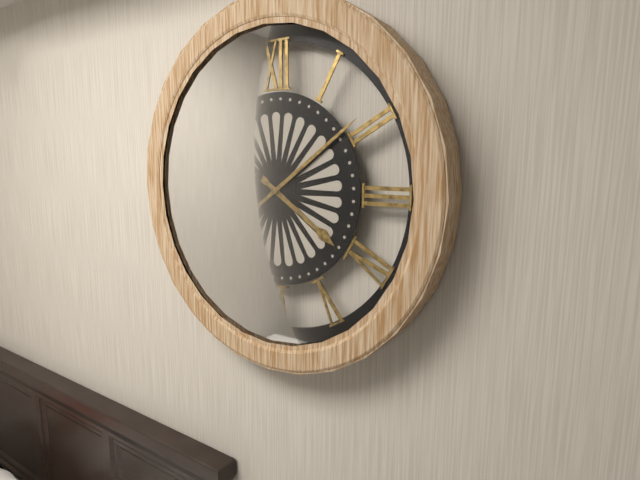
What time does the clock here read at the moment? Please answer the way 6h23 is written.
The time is 4h09
